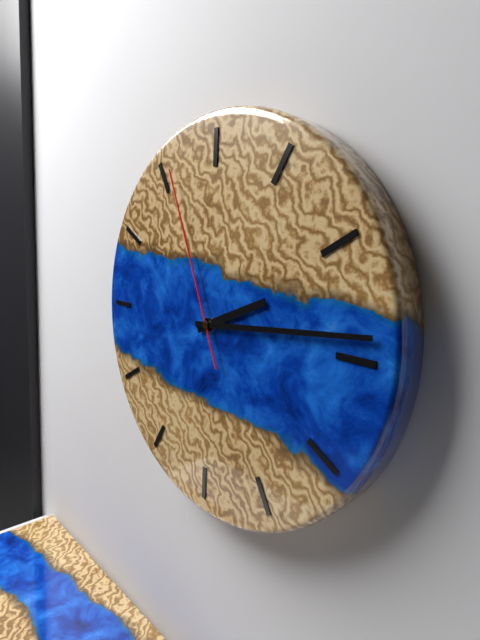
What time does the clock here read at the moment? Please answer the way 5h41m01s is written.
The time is 2h14m56s
